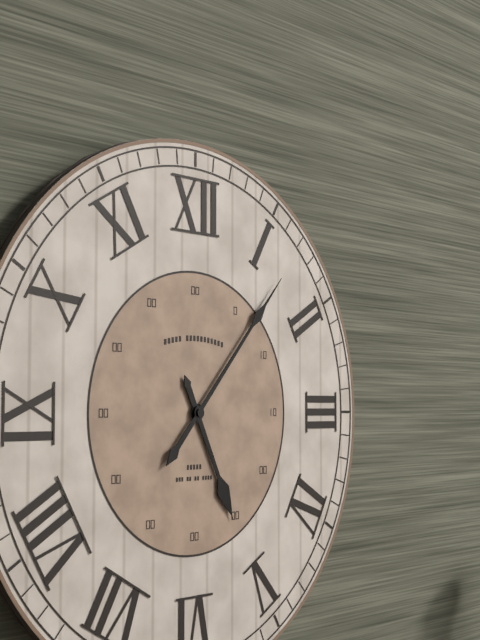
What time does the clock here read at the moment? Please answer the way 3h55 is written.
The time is 5h07
